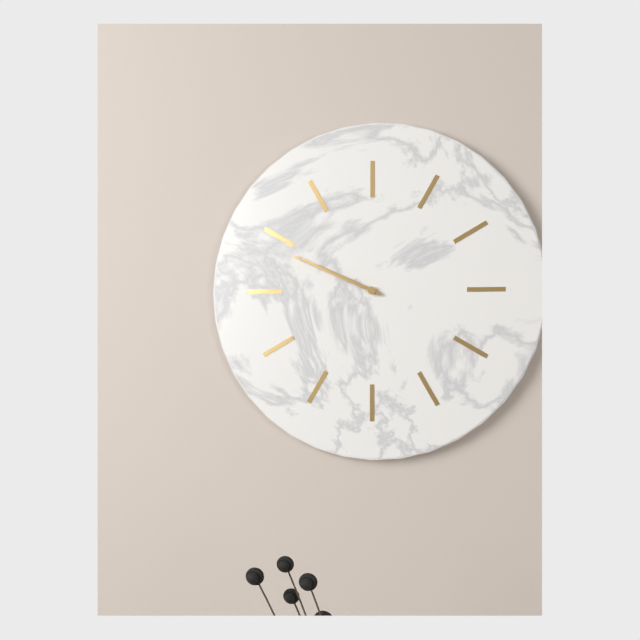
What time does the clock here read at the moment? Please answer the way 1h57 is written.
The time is 9h49
